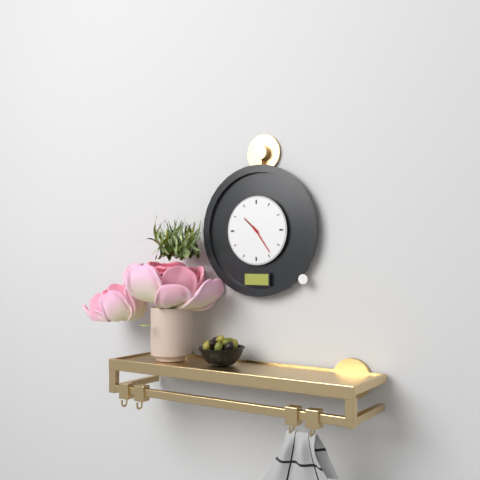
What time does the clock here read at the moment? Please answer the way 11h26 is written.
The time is 10h24
